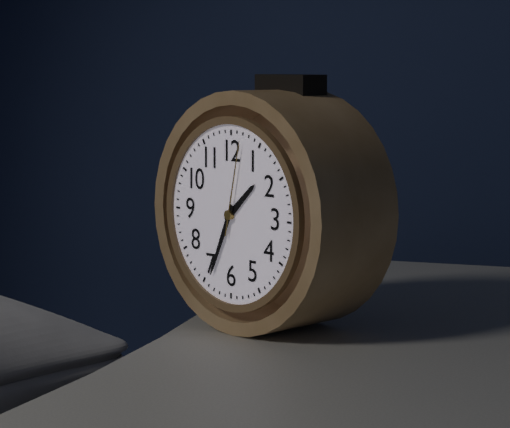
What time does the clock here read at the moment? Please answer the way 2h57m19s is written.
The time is 1h34m02s
